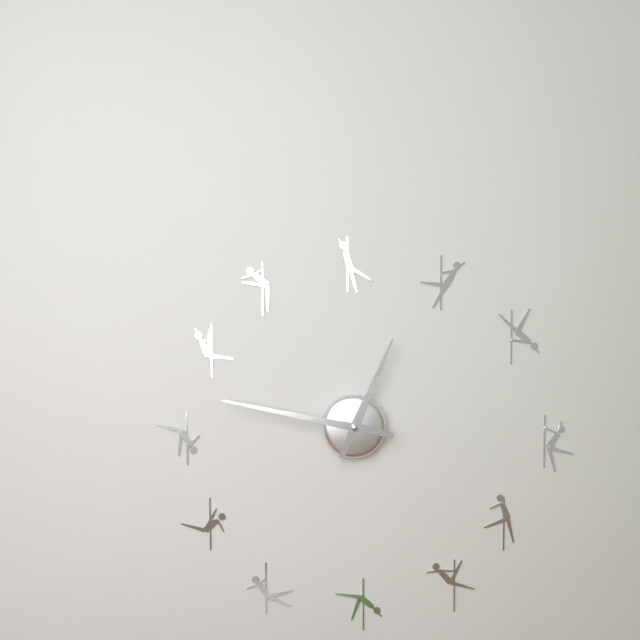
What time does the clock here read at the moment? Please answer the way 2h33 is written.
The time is 12h47
